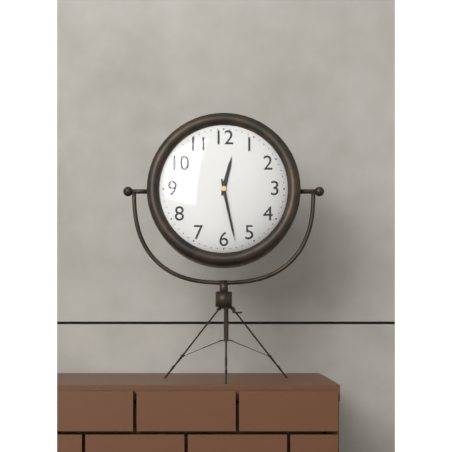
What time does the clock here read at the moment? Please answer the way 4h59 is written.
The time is 12h28
